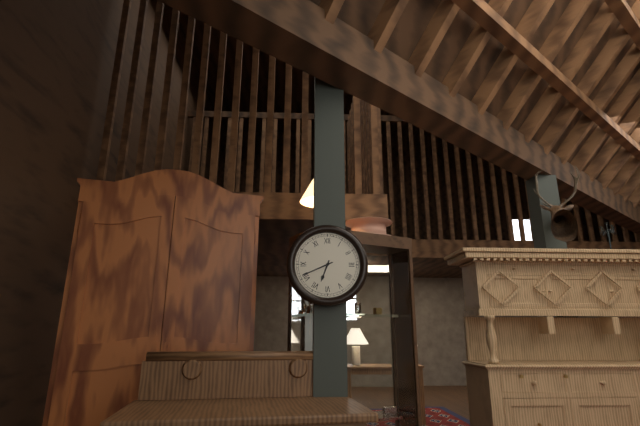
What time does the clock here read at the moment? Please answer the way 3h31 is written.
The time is 6h41
